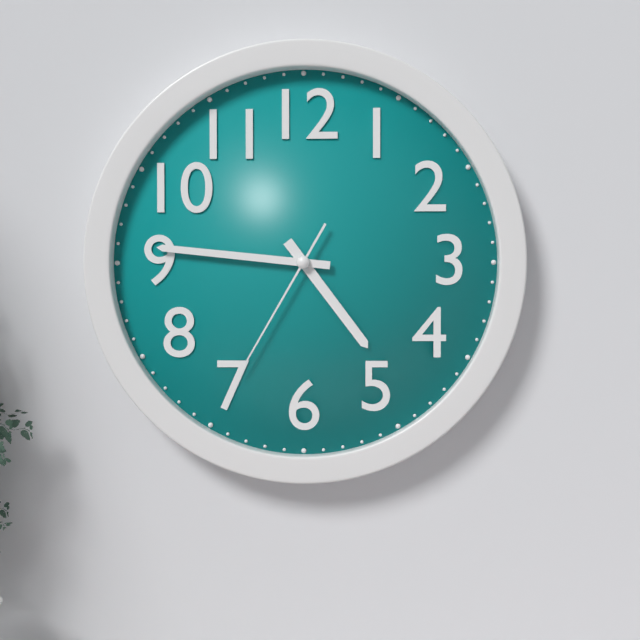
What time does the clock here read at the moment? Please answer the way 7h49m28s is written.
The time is 4h46m35s
